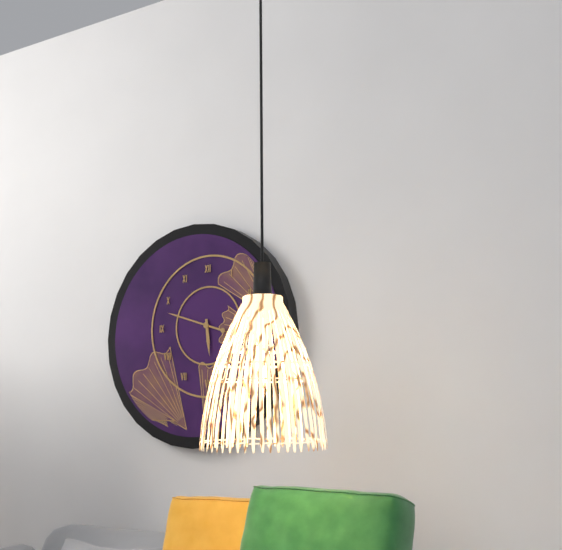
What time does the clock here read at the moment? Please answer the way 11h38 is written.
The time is 5h48
